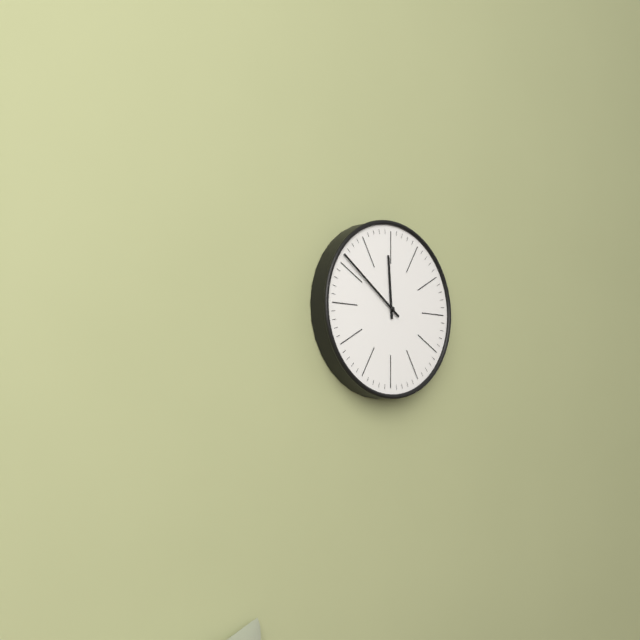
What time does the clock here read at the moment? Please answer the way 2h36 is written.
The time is 11h51
